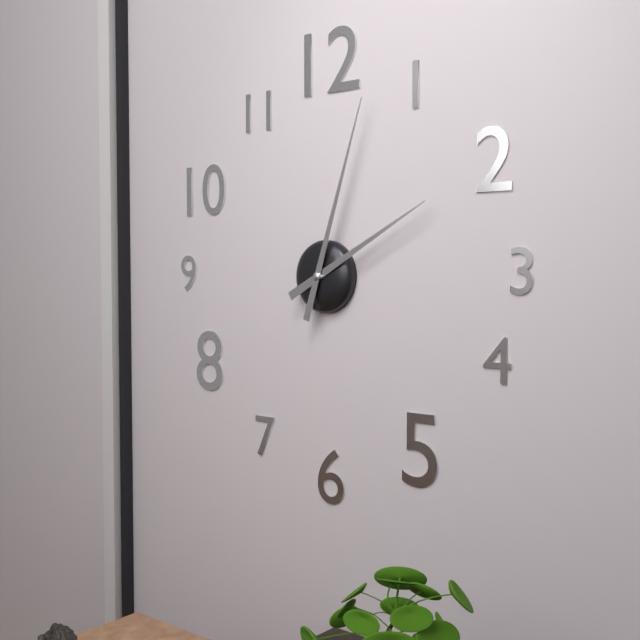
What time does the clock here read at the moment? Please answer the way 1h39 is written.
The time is 2h03
